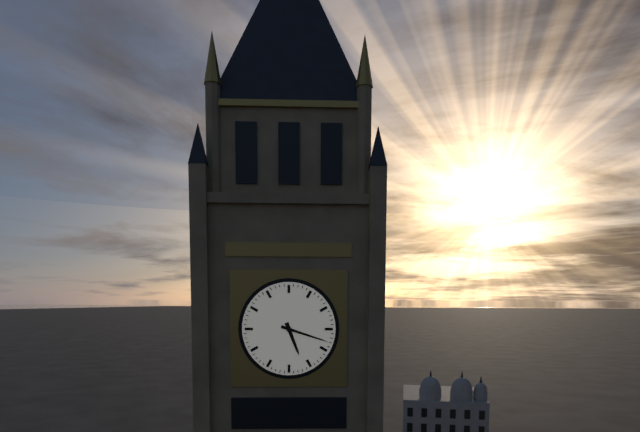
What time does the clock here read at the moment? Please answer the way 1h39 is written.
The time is 5h18
